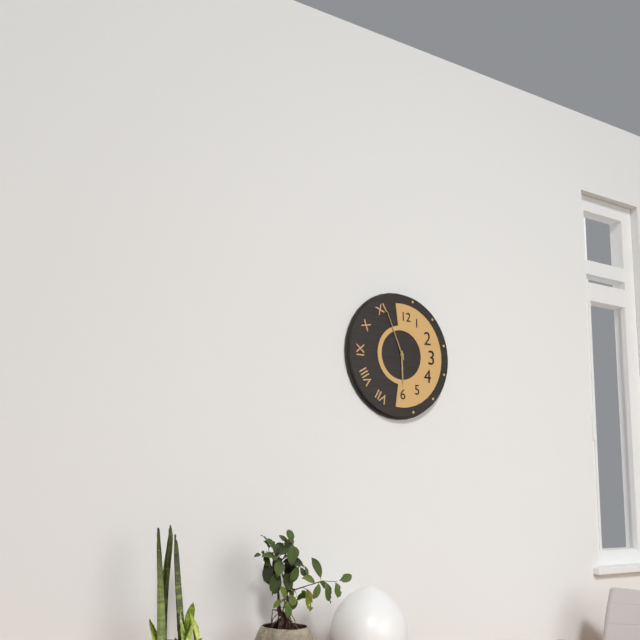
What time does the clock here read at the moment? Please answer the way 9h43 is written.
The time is 5h56
